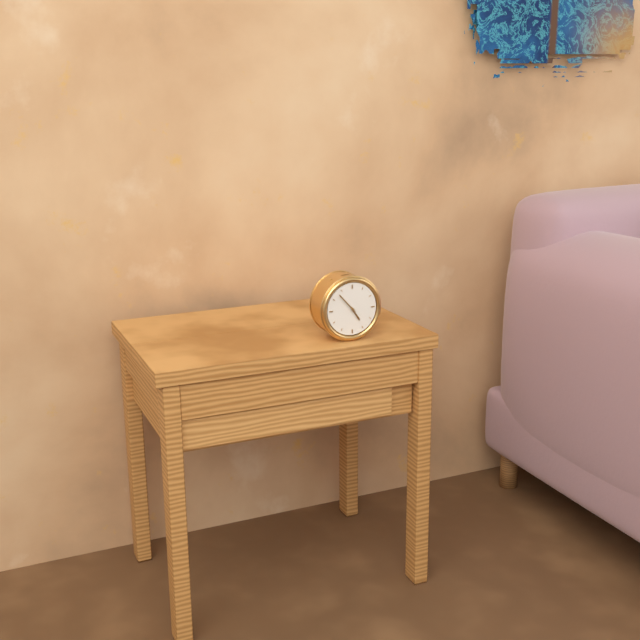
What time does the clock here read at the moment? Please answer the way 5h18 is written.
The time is 4h53
